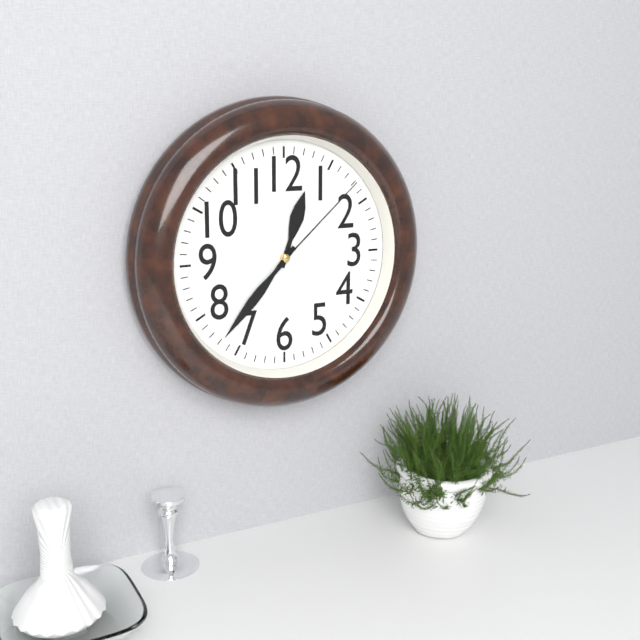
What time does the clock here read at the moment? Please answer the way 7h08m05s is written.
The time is 12h37m08s
